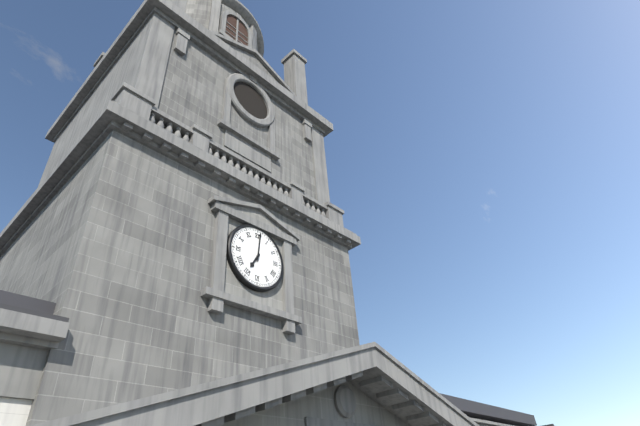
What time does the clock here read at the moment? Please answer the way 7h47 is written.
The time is 7h01
